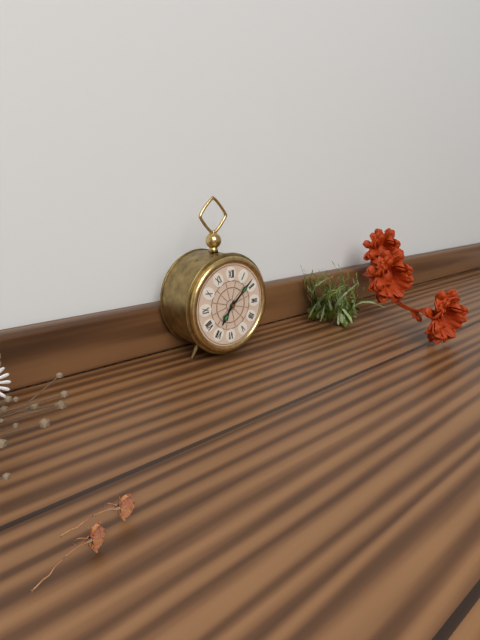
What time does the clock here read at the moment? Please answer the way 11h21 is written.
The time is 7h08
